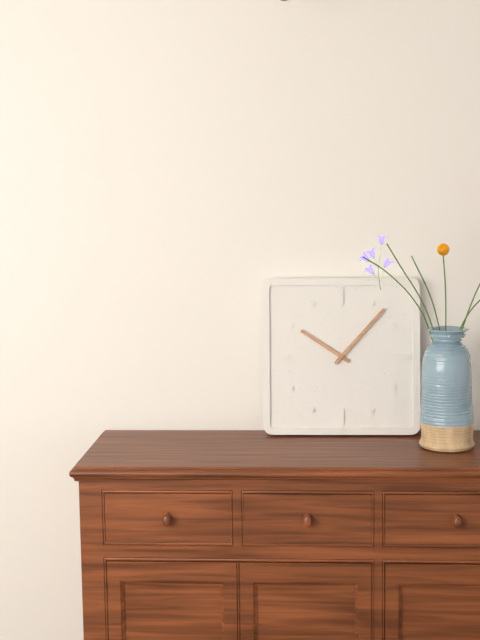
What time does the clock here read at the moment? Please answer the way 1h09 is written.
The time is 10h07
